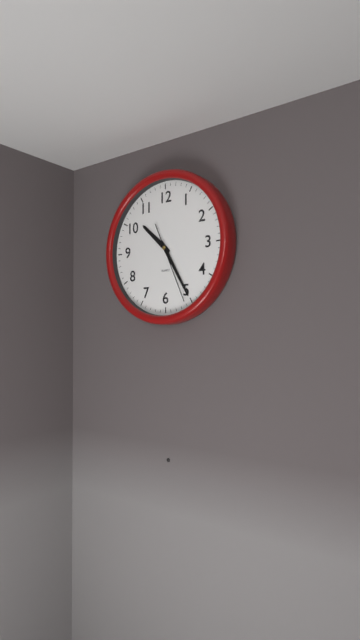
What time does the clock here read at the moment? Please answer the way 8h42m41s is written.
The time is 10h25m26s
